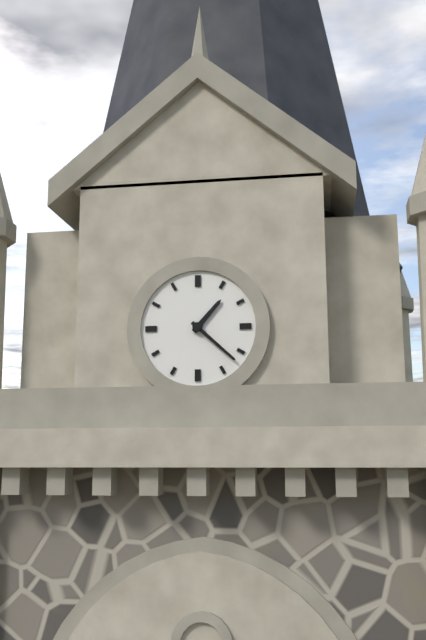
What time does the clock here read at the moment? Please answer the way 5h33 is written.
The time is 1h22
